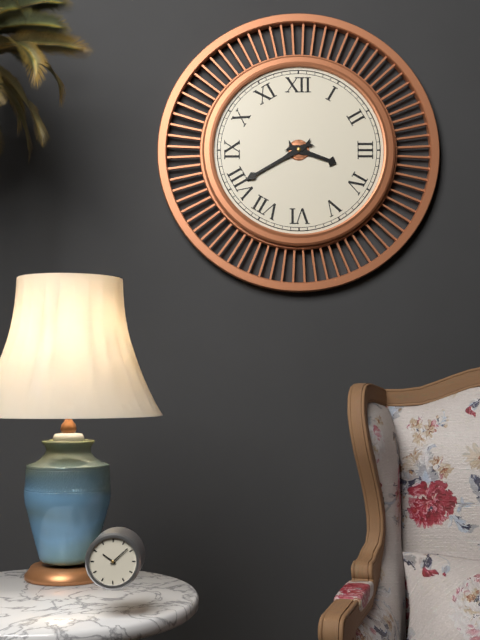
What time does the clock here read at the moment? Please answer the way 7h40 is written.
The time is 3h40
